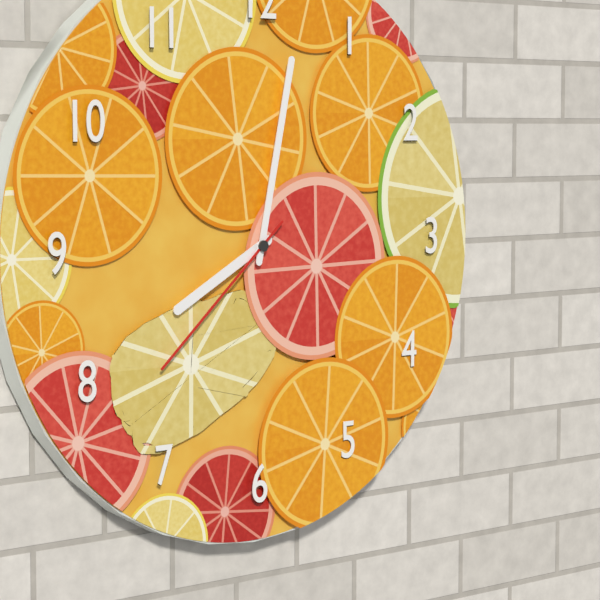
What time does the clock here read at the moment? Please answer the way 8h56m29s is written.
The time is 8h02m38s
